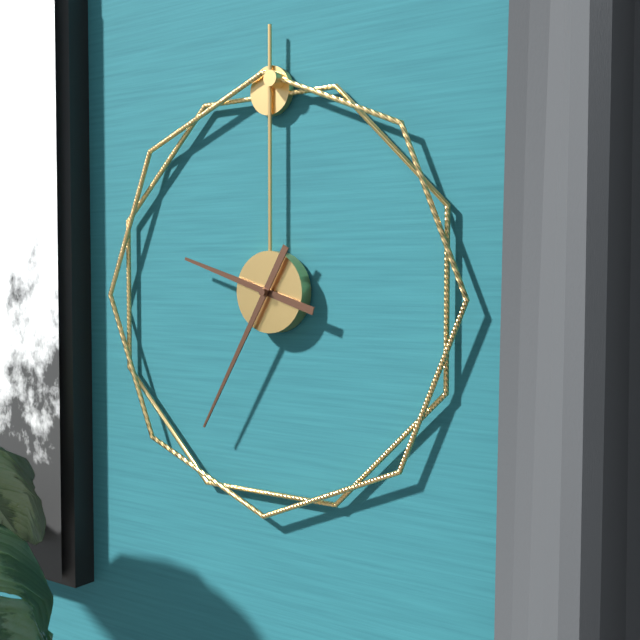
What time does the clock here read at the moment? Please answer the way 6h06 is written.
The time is 9h35
